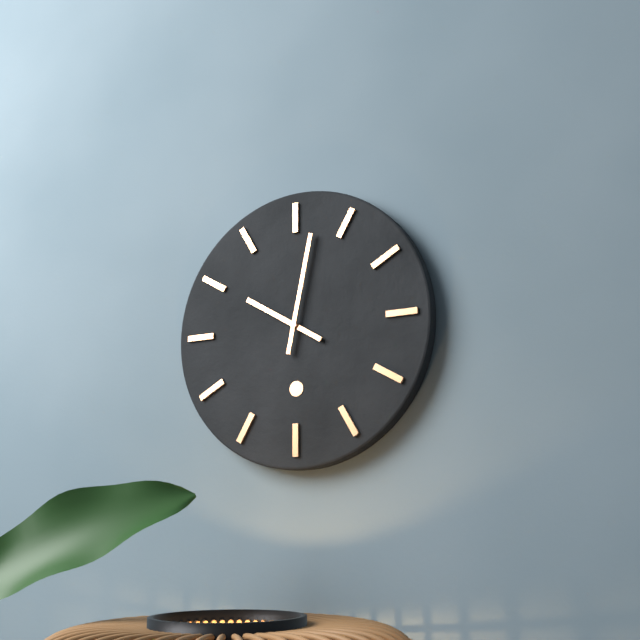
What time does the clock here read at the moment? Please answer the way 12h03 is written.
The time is 10h02
